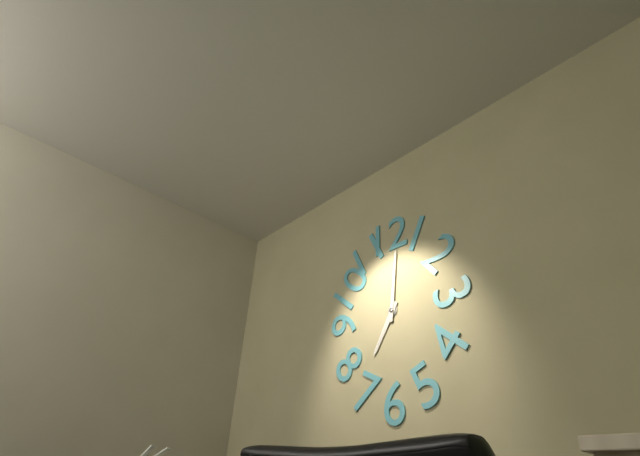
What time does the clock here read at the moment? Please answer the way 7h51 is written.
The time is 7h01
